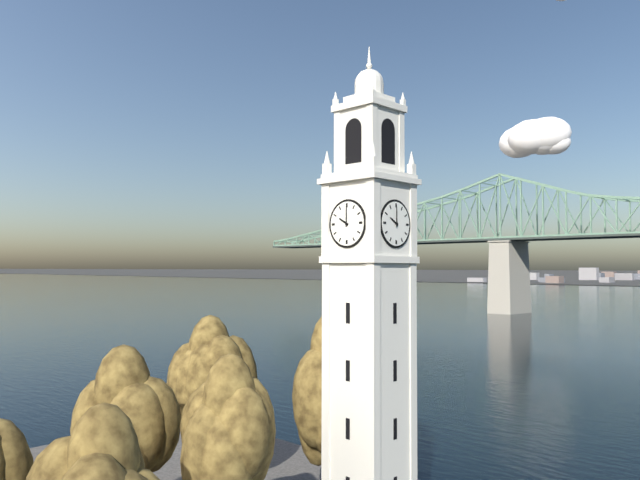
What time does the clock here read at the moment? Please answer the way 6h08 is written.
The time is 10h00
